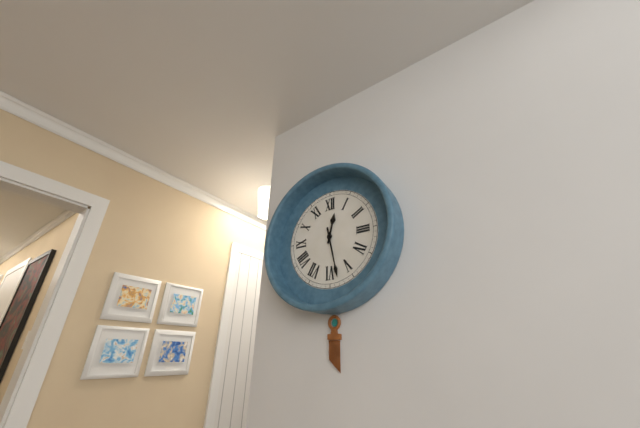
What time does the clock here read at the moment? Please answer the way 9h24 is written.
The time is 12h28
